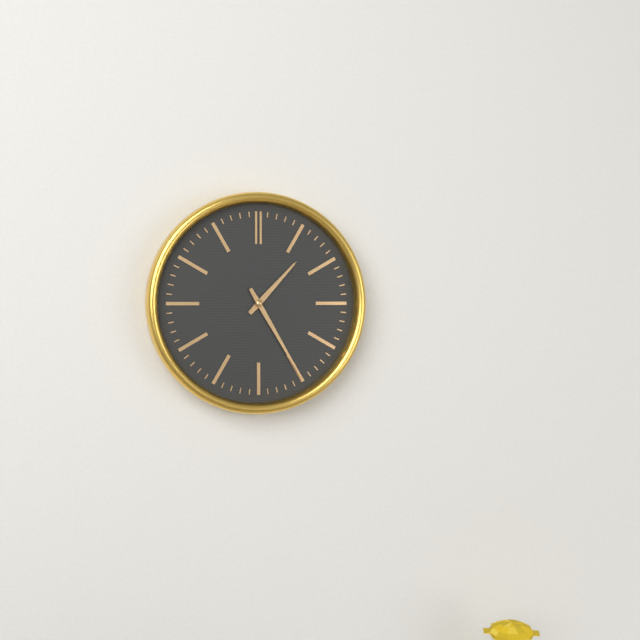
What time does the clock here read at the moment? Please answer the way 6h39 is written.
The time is 1h25
